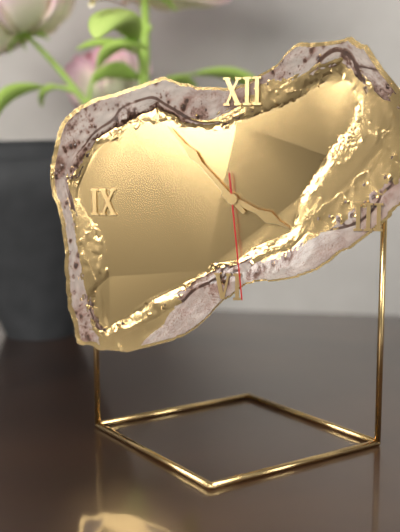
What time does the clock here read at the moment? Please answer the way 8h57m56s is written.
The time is 3h53m29s
